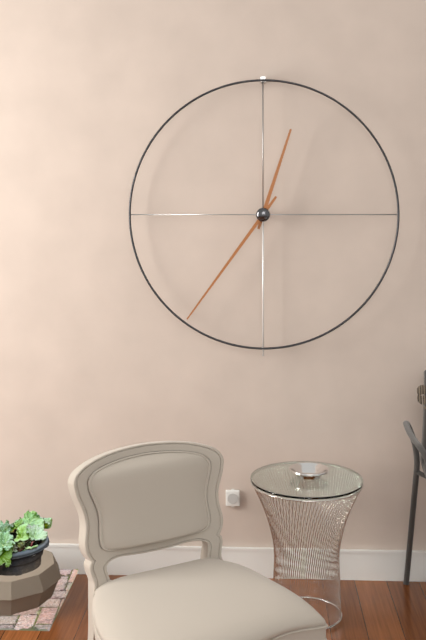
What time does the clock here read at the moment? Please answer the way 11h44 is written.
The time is 12h36
